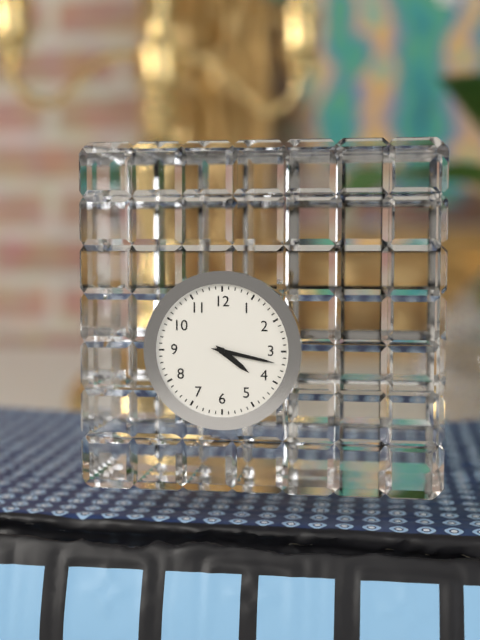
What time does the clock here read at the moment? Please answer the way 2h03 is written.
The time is 4h17
